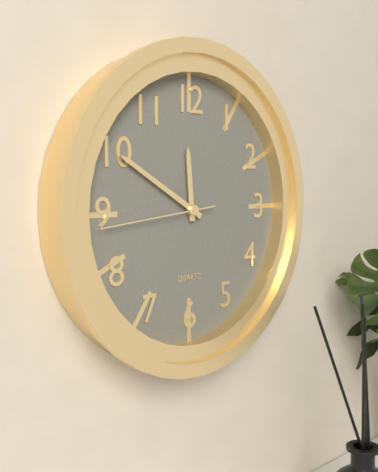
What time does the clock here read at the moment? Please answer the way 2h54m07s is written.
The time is 11h50m44s
